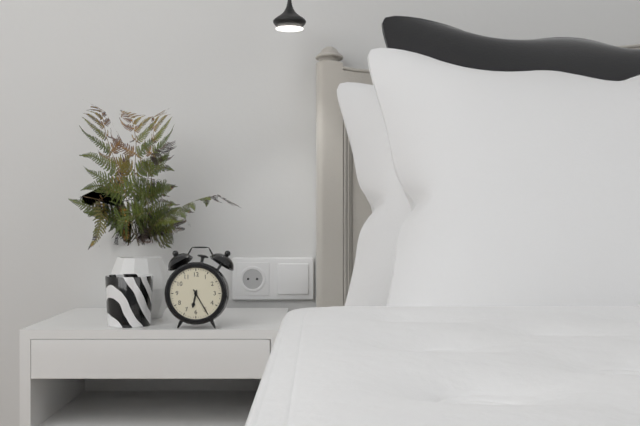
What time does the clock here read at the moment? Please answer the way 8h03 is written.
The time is 6h25
